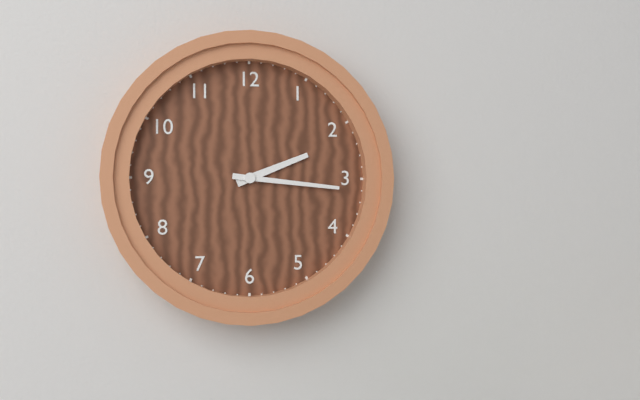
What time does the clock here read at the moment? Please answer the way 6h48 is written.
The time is 2h16
